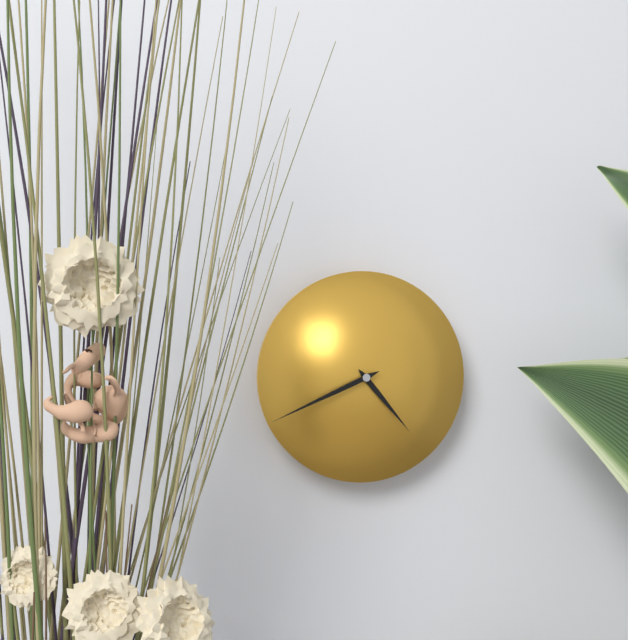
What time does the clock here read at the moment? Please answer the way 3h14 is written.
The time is 4h41
